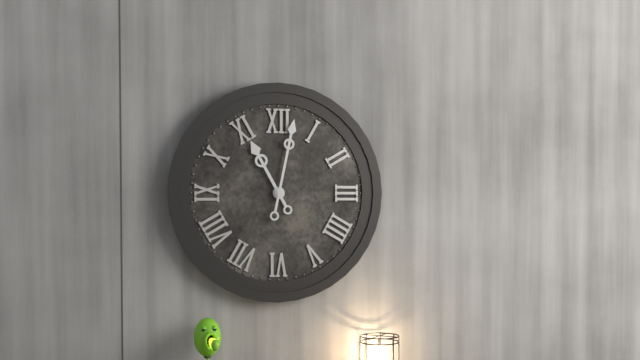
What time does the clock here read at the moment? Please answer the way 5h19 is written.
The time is 11h02
